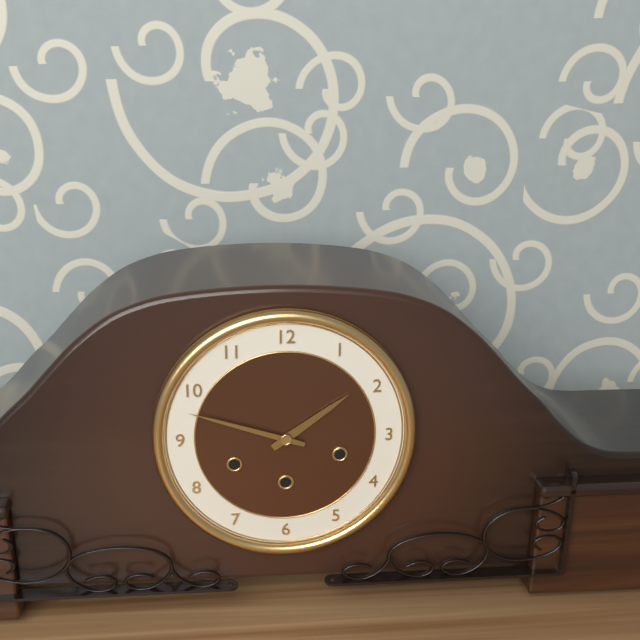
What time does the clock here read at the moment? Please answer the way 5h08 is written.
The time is 1h48
